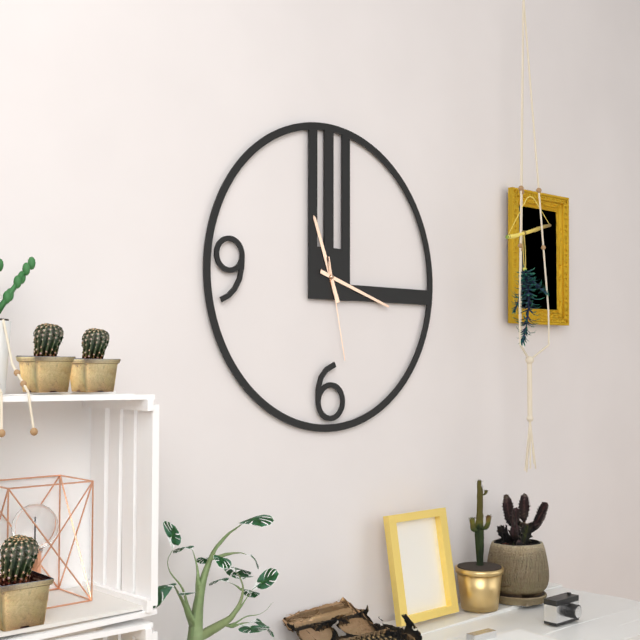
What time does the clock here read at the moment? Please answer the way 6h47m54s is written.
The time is 11h18m28s
